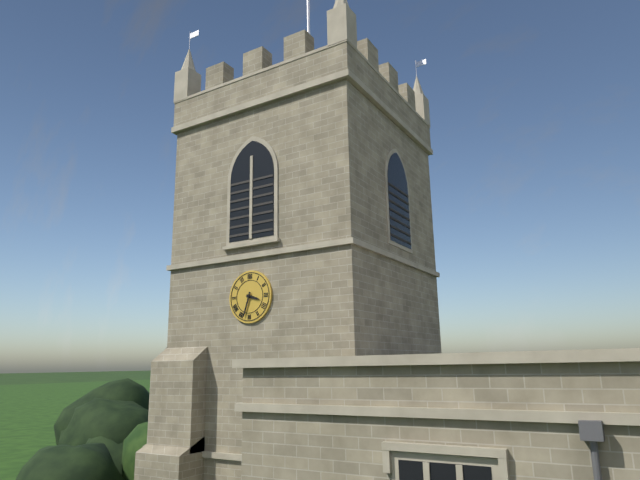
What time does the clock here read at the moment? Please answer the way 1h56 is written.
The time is 3h33
